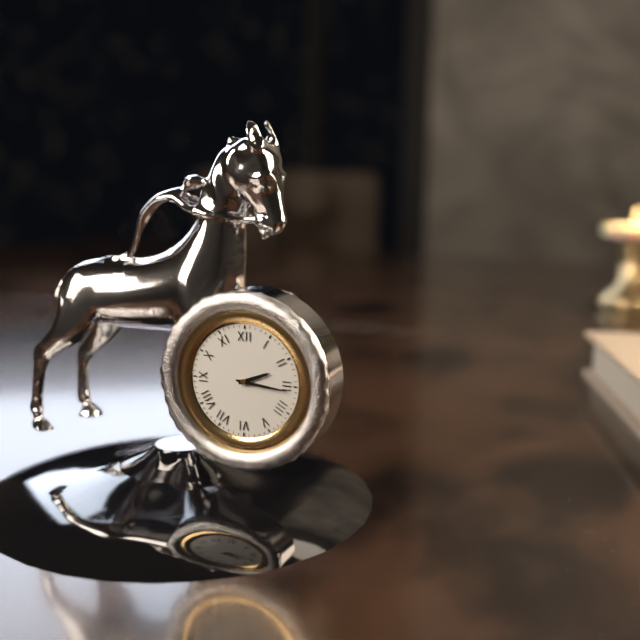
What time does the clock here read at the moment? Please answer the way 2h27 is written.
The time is 2h16
